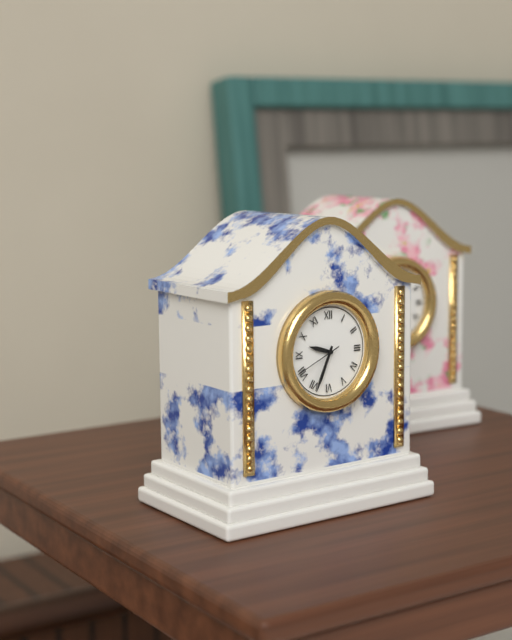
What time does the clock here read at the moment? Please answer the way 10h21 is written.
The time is 9h34
